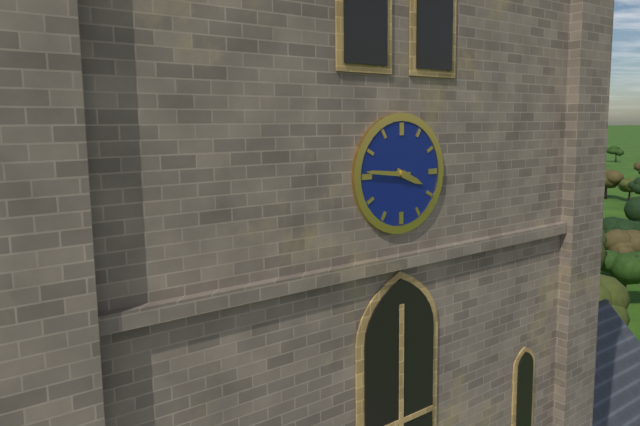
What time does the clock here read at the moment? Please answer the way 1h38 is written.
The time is 3h46
